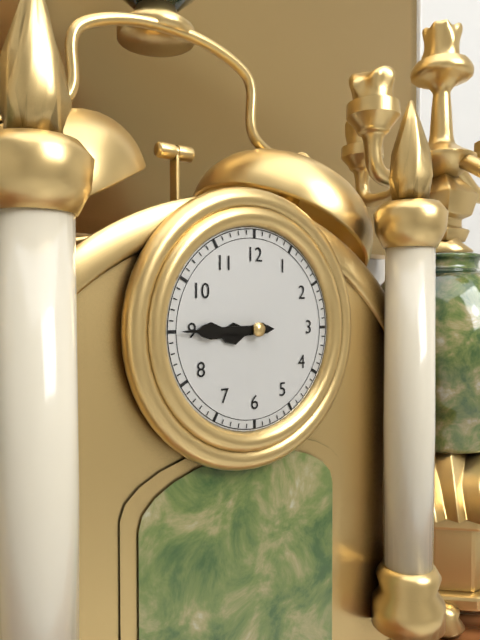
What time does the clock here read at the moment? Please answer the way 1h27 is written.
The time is 8h45
